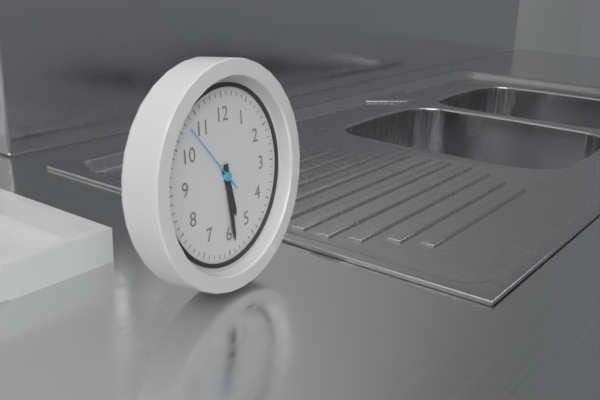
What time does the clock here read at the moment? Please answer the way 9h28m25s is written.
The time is 5h29m53s
